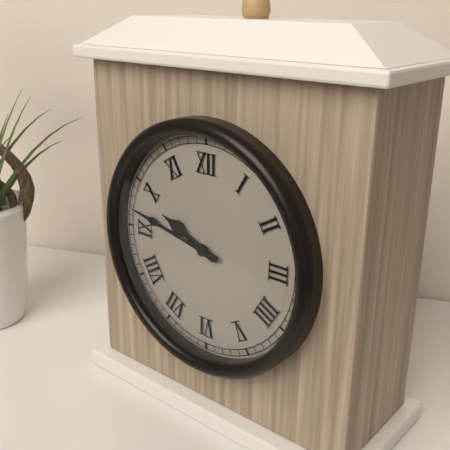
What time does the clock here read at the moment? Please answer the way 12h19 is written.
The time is 9h47
